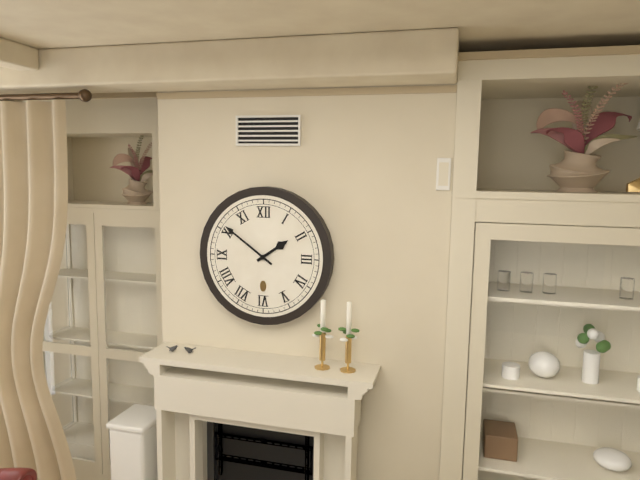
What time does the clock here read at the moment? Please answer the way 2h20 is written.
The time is 1h51
